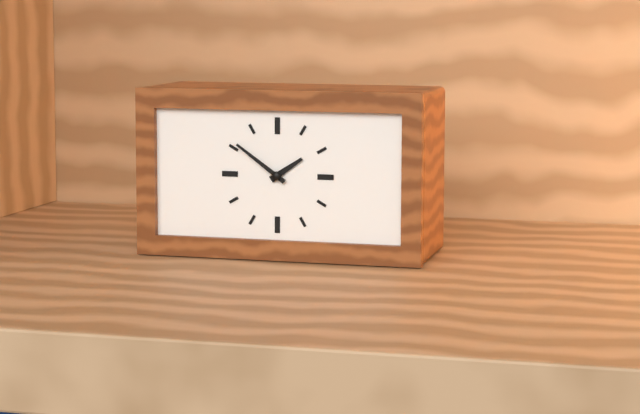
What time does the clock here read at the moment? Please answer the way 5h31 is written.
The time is 1h51
